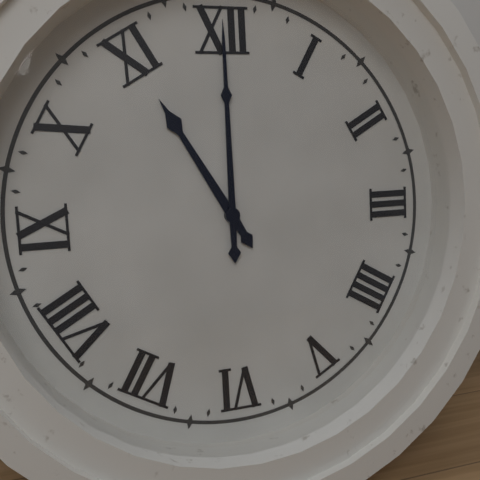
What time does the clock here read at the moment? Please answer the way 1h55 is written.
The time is 11h00
